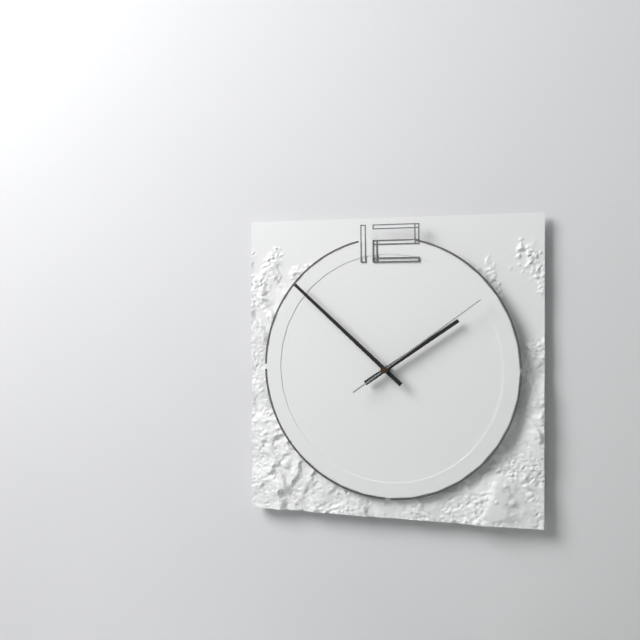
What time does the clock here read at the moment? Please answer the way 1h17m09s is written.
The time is 1h52m09s
